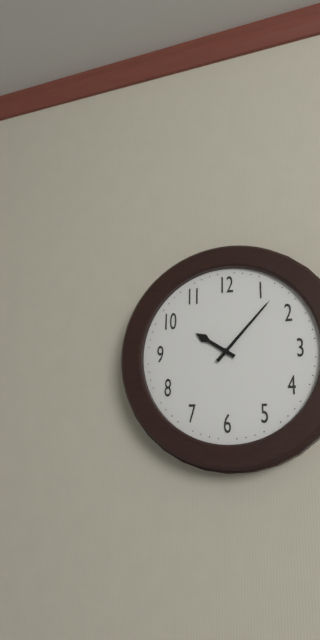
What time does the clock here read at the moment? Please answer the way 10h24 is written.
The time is 10h07
